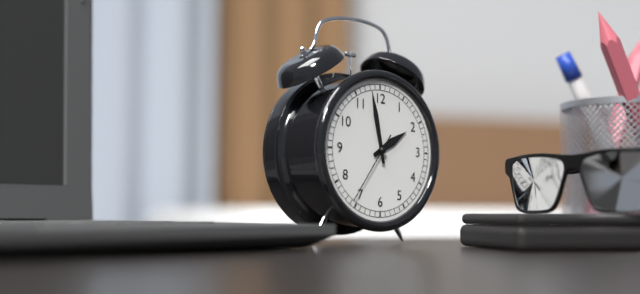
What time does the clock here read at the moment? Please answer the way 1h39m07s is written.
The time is 1h58m36s
